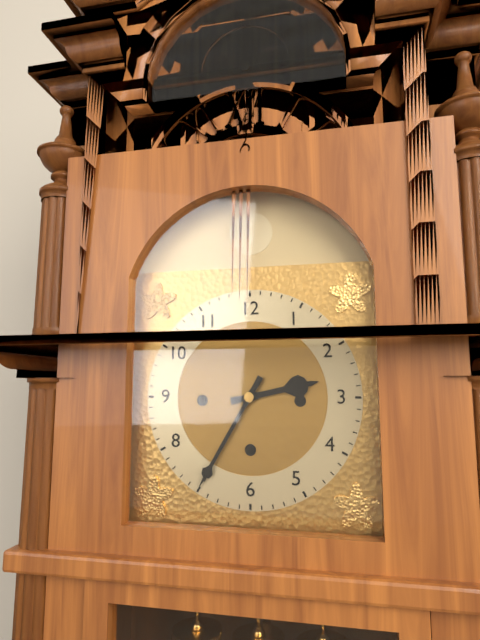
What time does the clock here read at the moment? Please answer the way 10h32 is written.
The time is 2h35
